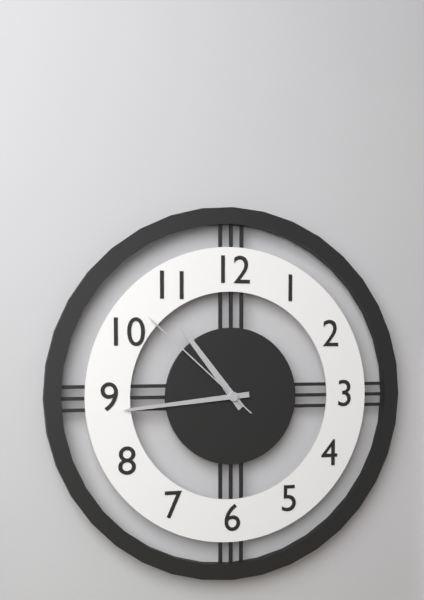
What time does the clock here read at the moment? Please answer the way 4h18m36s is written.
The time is 10h44m52s
